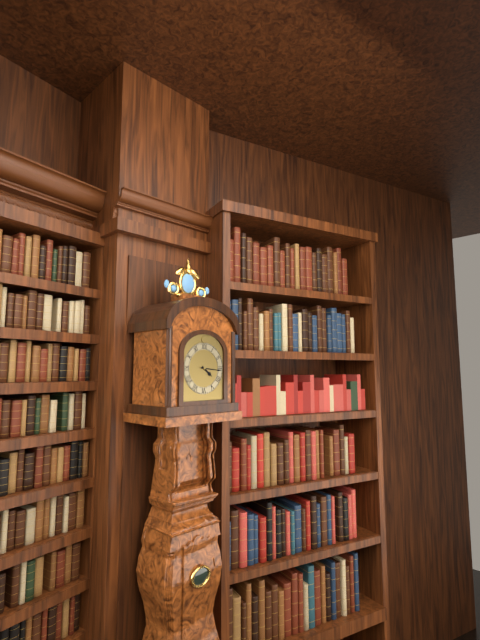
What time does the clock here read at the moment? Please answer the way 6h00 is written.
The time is 4h16
